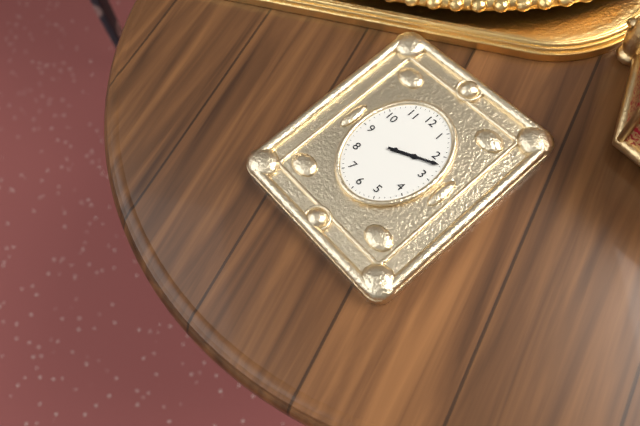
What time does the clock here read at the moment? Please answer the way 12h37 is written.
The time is 2h11
